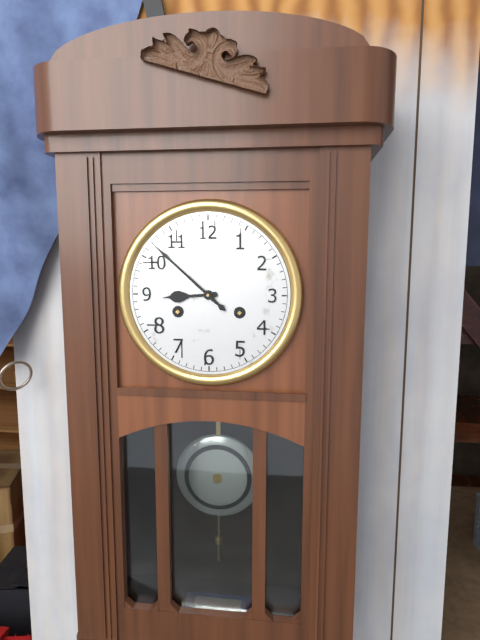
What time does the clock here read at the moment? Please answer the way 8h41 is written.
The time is 8h52
